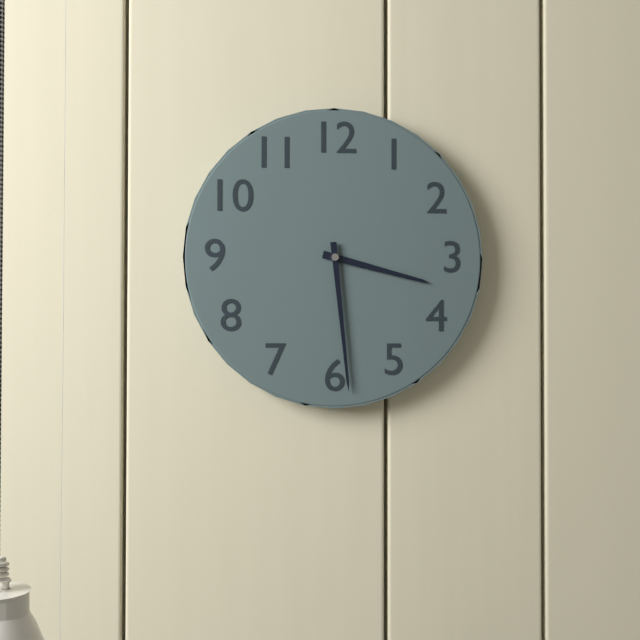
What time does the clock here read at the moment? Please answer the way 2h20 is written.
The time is 3h29
